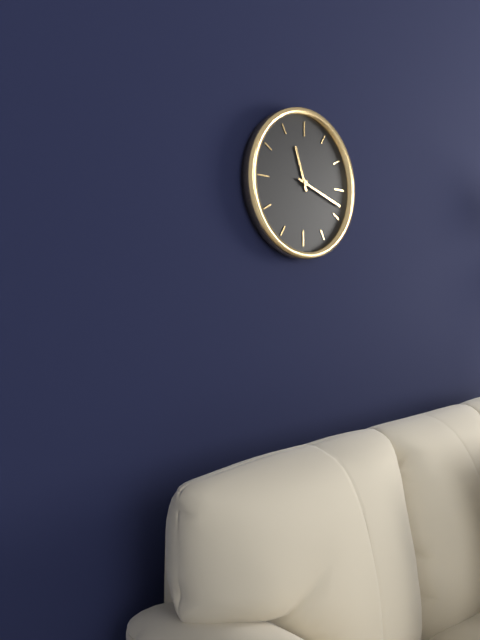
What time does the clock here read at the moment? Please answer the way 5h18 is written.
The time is 11h18
